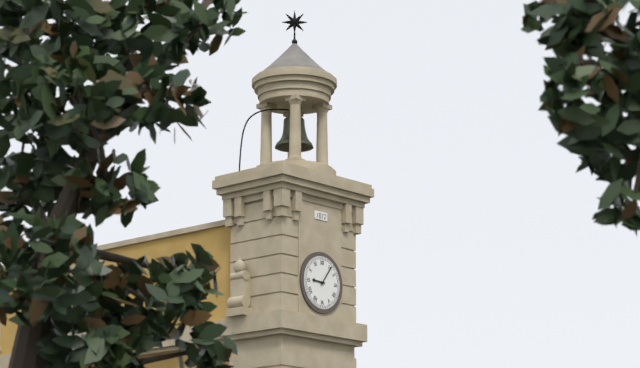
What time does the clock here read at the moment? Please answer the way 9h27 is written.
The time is 9h06
